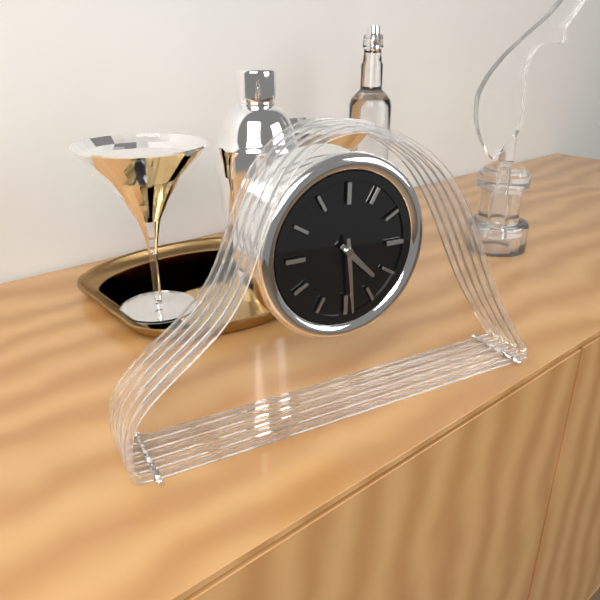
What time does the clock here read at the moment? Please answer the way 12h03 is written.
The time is 4h29
